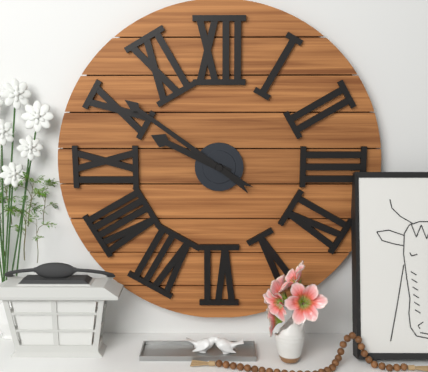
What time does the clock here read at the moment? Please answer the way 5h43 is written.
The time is 9h51
